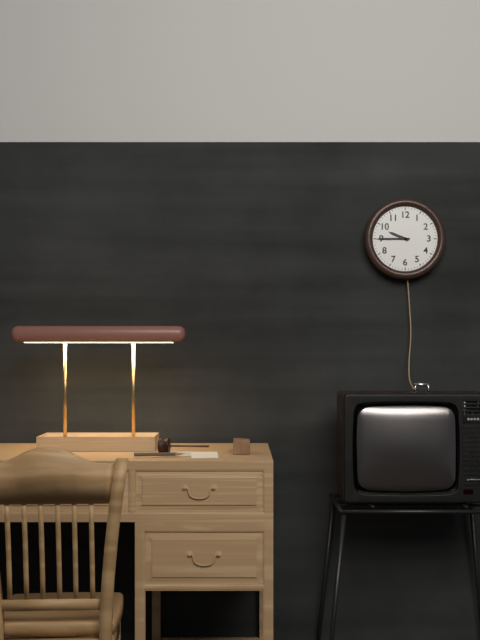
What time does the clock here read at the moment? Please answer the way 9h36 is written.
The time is 9h45
